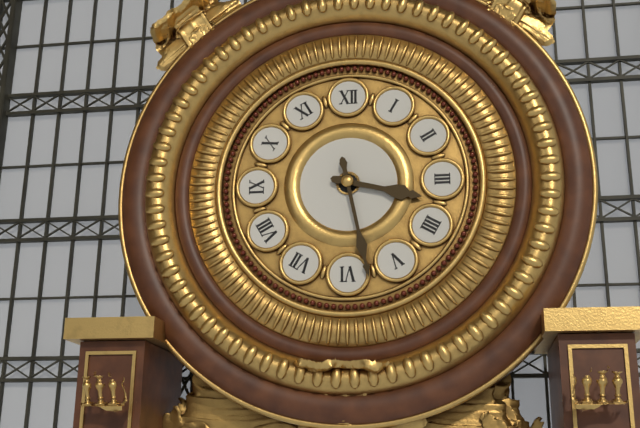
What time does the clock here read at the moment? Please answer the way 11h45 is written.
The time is 3h28
